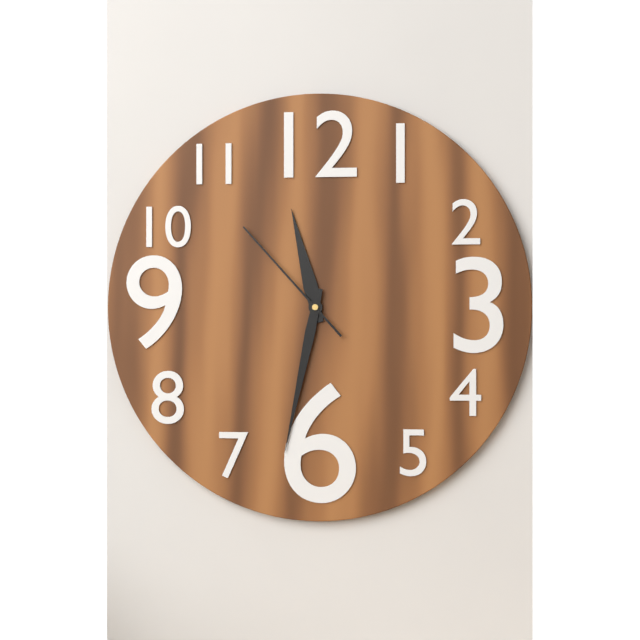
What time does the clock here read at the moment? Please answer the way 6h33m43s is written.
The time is 11h32m53s
